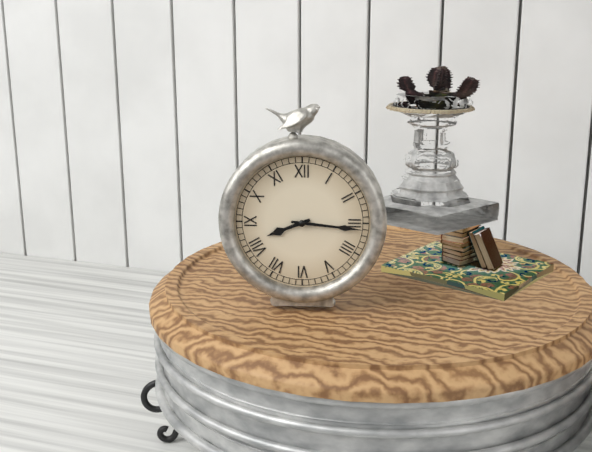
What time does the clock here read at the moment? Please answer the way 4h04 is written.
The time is 8h16
